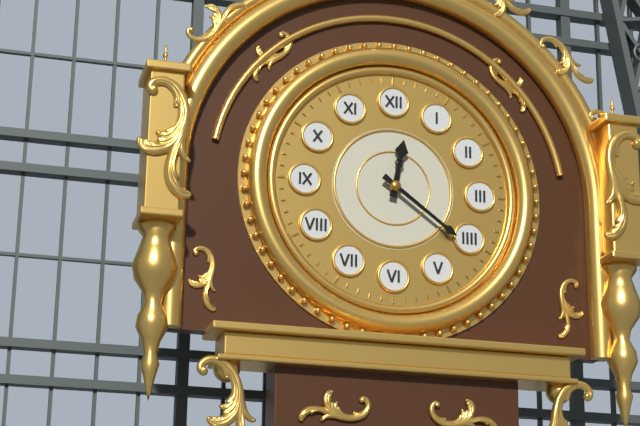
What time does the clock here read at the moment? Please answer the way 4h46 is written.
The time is 12h21
